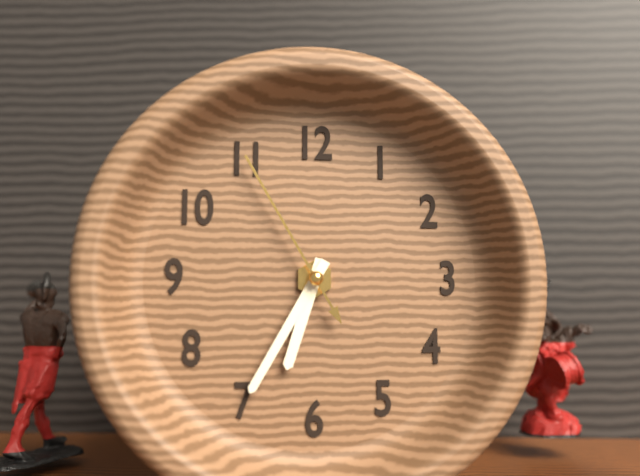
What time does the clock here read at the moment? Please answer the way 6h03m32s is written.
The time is 6h35m55s
